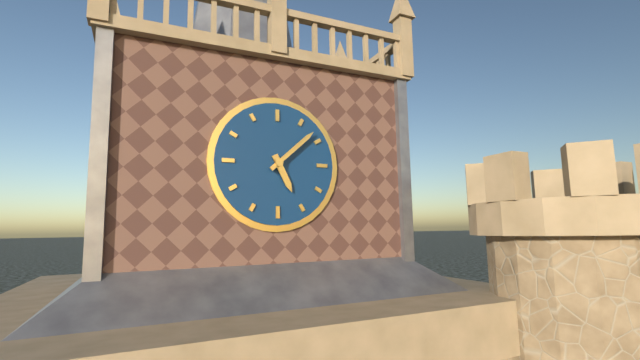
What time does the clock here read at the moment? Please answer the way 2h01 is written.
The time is 5h08
